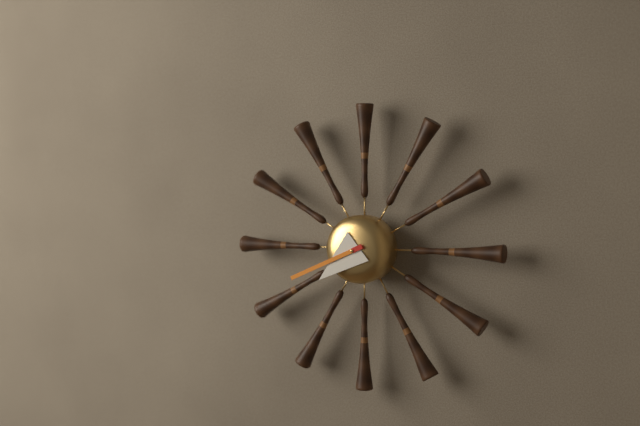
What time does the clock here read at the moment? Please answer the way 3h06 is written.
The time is 7h41
